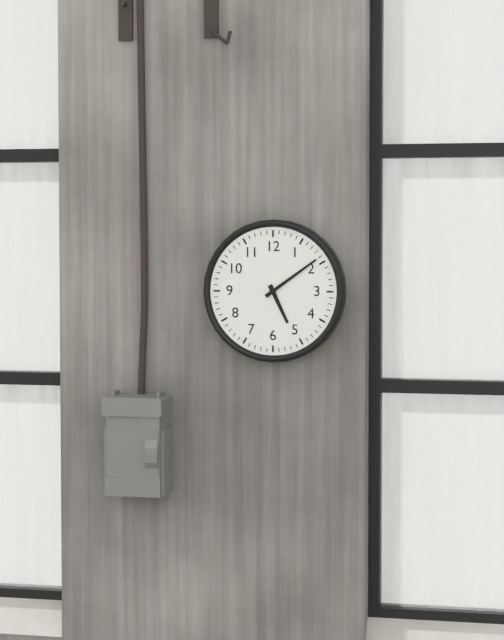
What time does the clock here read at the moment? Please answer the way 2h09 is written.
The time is 5h09
